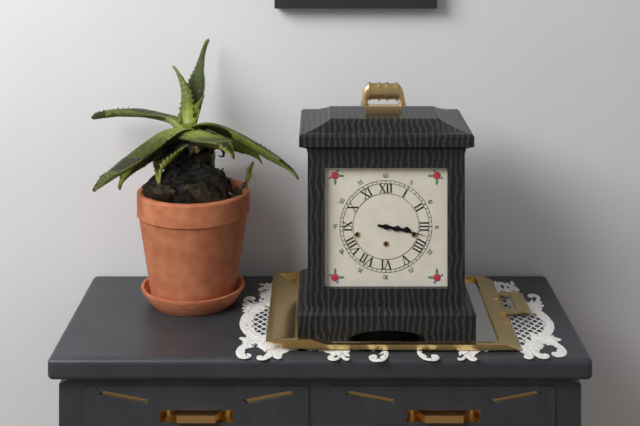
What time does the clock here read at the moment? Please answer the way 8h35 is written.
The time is 3h17
